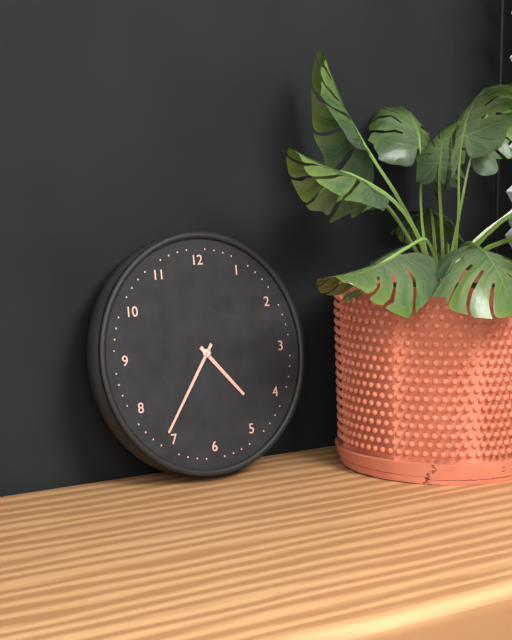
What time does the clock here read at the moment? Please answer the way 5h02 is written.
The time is 4h36
